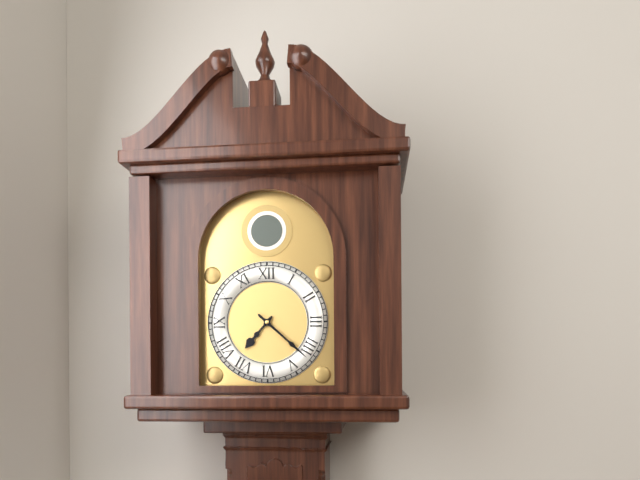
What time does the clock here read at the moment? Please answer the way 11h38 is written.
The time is 7h22
